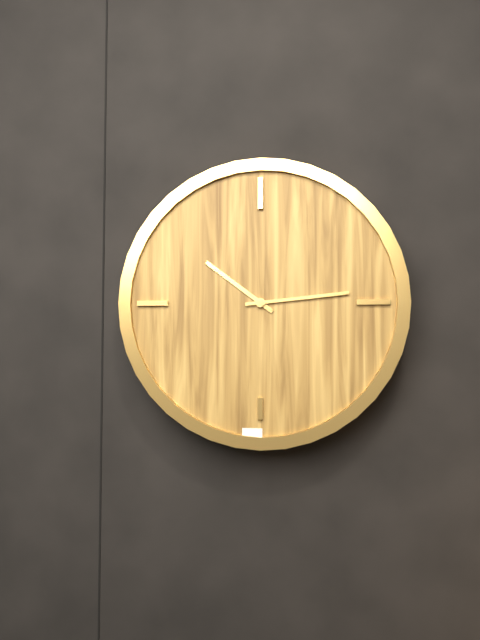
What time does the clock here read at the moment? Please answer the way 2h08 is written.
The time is 10h14
